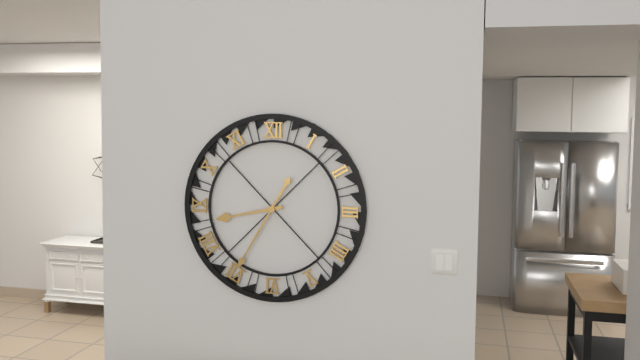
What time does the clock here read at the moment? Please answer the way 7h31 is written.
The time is 8h35
